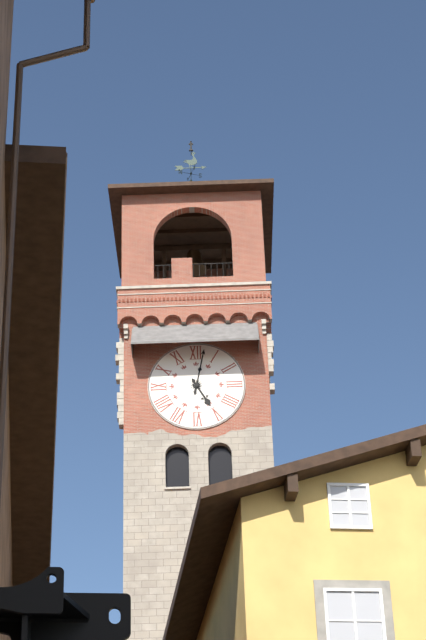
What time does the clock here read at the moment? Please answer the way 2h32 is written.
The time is 5h02
